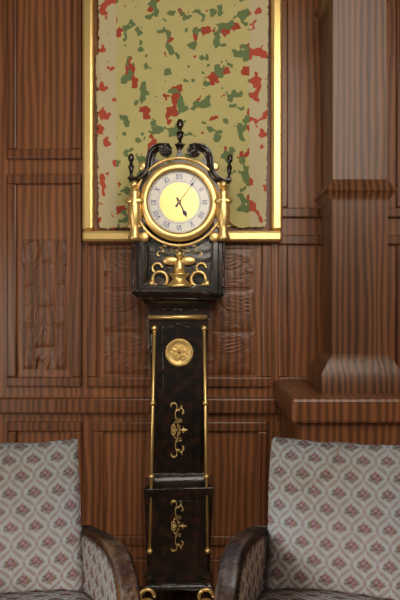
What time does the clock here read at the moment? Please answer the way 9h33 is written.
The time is 5h06
